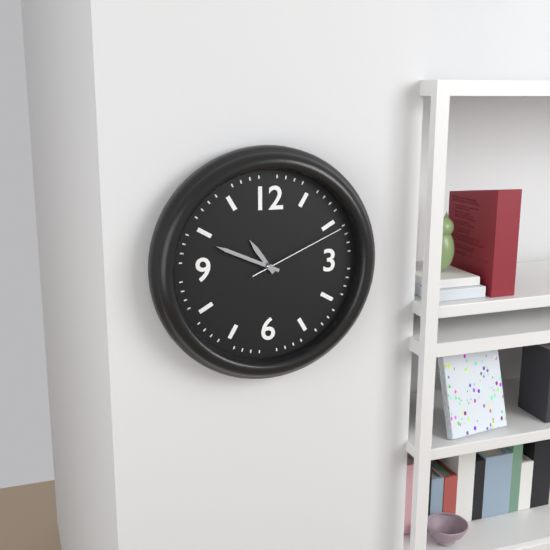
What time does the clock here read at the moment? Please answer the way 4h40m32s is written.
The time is 10h49m11s
